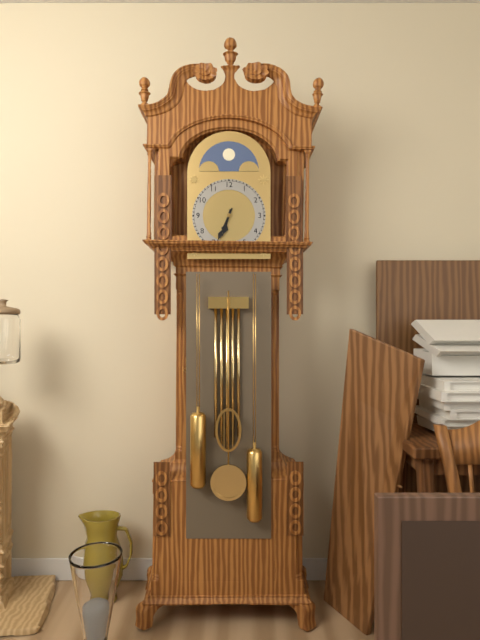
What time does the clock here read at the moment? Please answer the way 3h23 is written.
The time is 6h34
